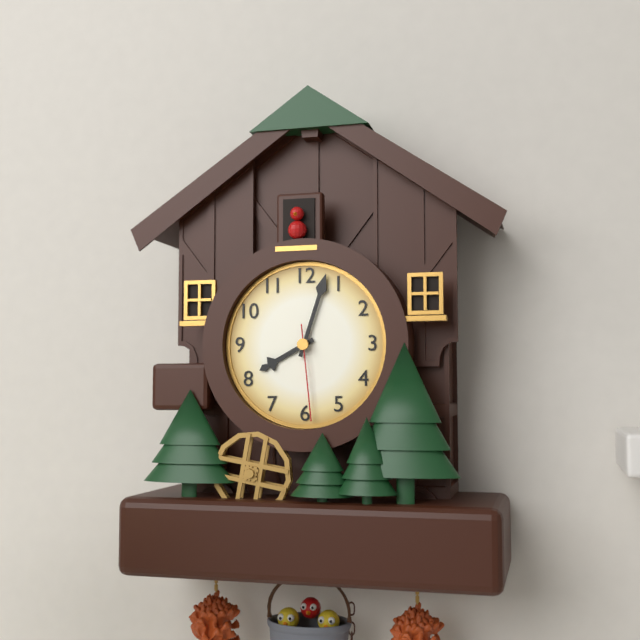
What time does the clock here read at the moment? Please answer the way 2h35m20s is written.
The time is 8h03m29s
